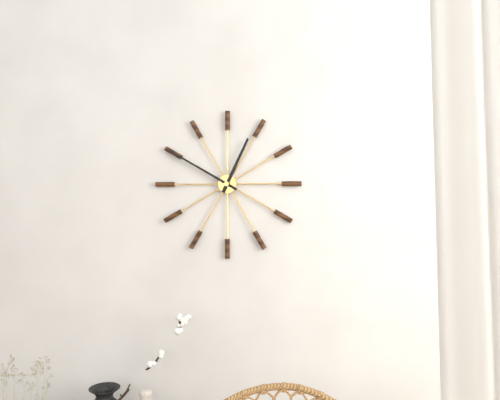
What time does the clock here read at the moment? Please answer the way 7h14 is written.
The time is 12h50
